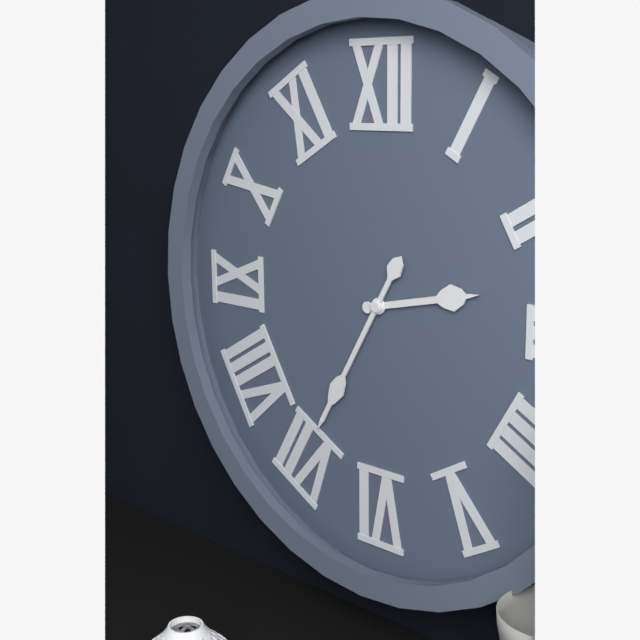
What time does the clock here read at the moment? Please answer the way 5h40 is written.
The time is 2h35
